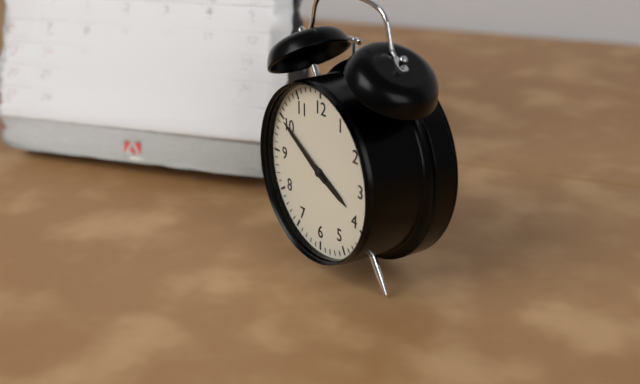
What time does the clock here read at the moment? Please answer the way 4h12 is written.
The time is 3h50
